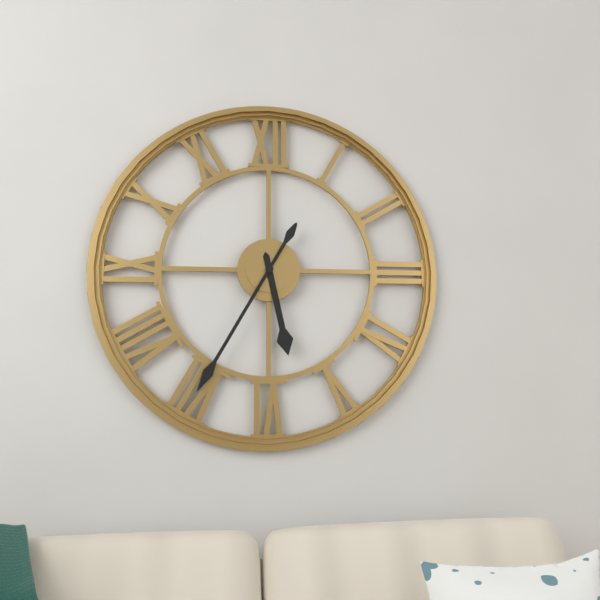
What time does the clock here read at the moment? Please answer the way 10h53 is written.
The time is 5h35
